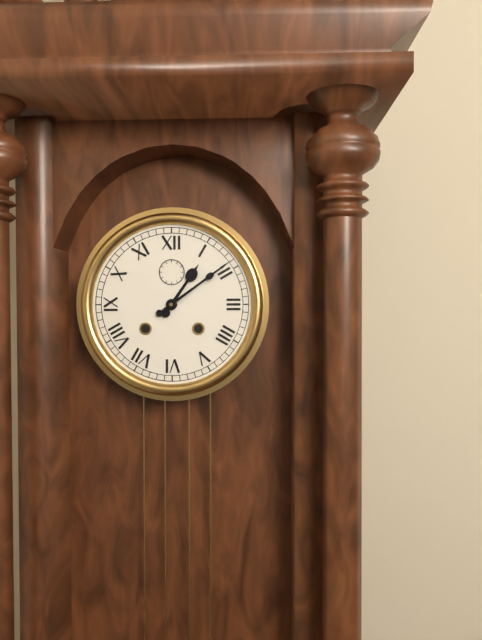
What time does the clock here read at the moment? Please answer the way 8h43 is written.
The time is 1h09
